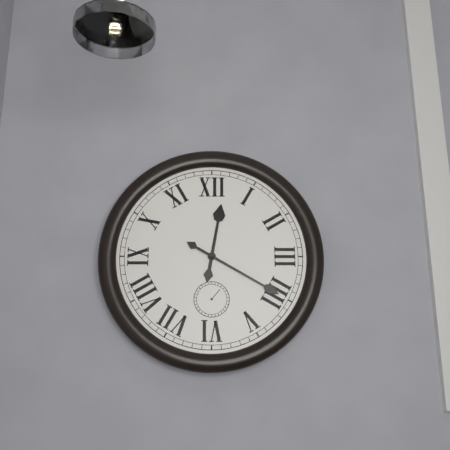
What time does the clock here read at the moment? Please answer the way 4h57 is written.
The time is 12h20
